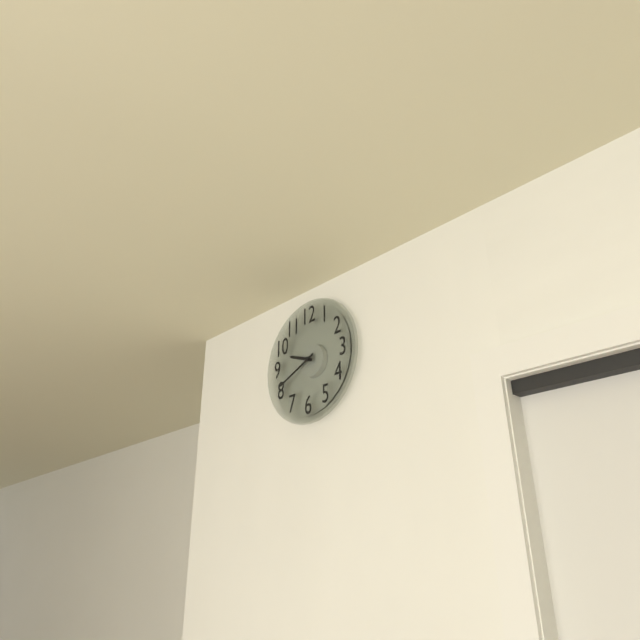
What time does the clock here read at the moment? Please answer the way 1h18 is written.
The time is 9h41
